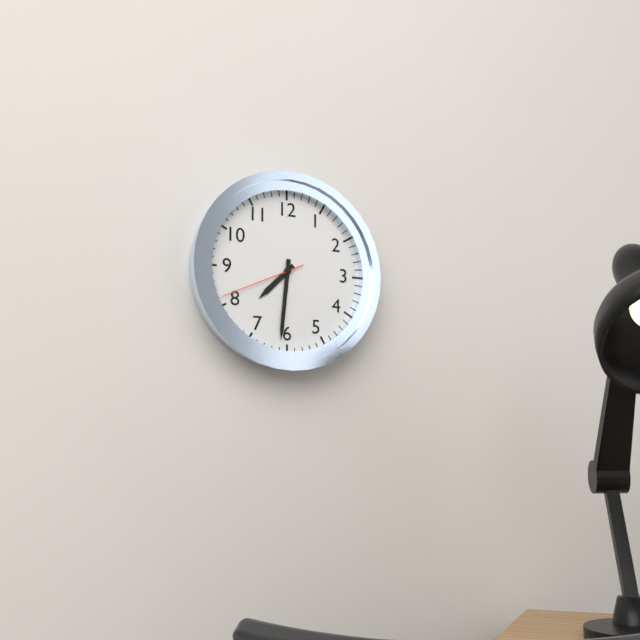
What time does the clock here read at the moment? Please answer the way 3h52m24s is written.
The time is 7h31m41s
